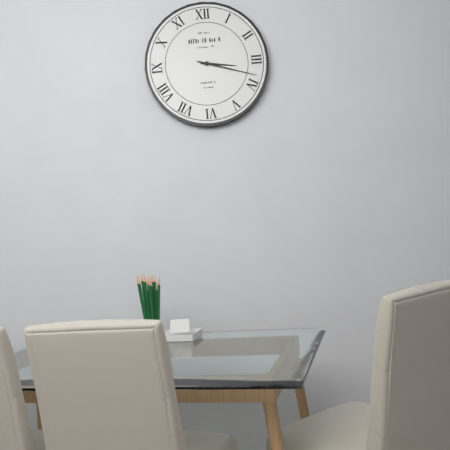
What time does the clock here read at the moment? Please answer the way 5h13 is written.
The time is 3h18
